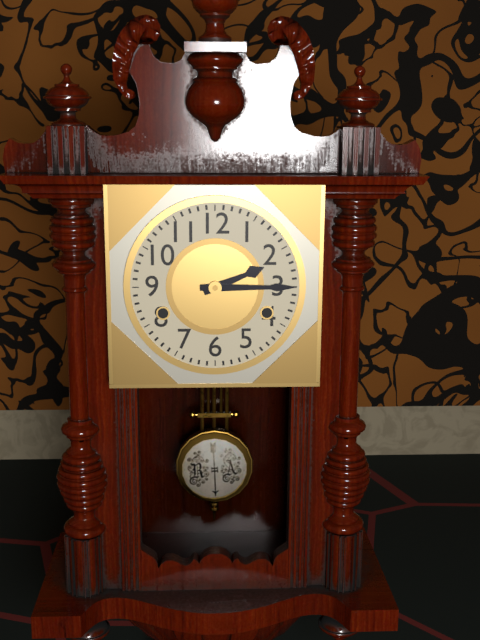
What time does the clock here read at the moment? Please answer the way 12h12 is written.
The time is 2h15
